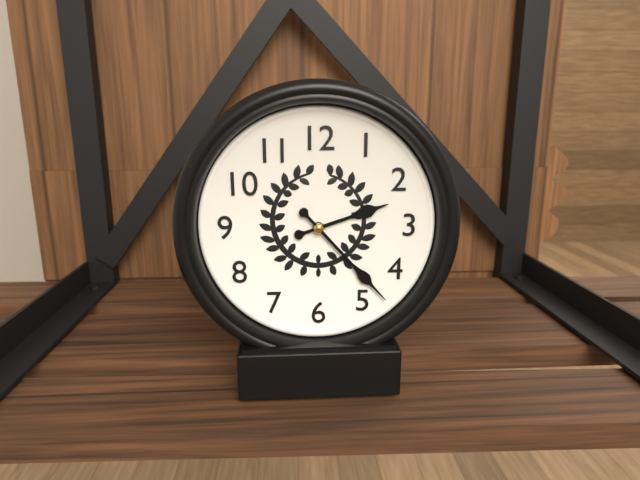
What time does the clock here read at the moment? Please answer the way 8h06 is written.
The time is 2h23
